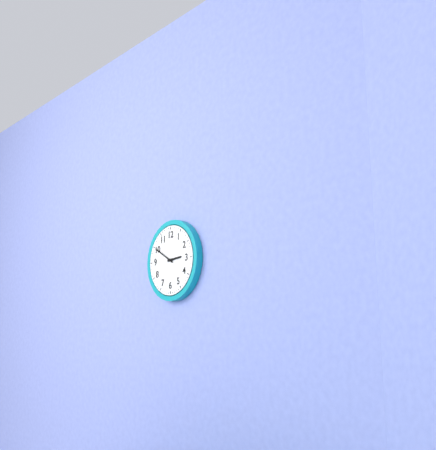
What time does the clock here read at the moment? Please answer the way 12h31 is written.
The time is 2h50
